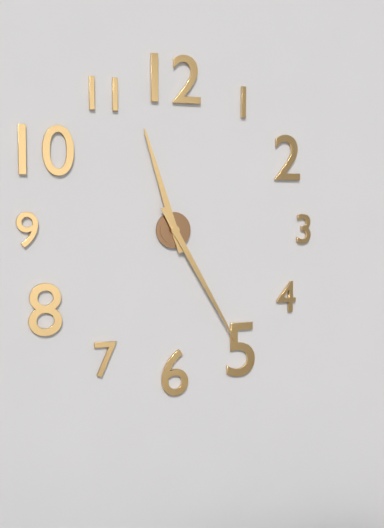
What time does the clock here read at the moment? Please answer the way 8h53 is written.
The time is 11h25
